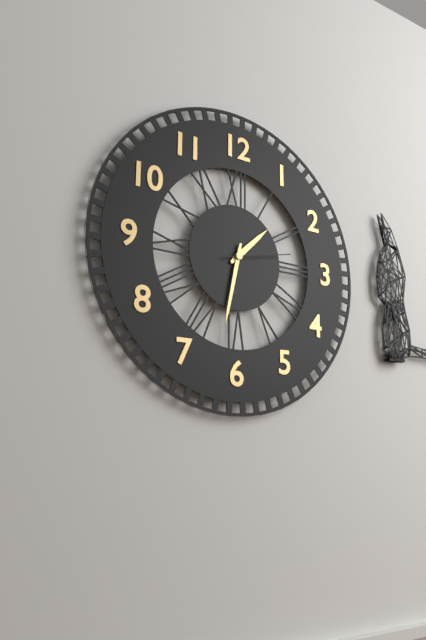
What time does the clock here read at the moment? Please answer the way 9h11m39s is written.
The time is 1h32m13s
